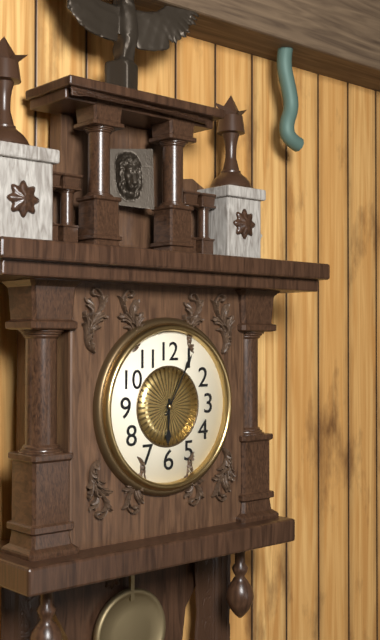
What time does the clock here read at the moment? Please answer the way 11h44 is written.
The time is 6h05
